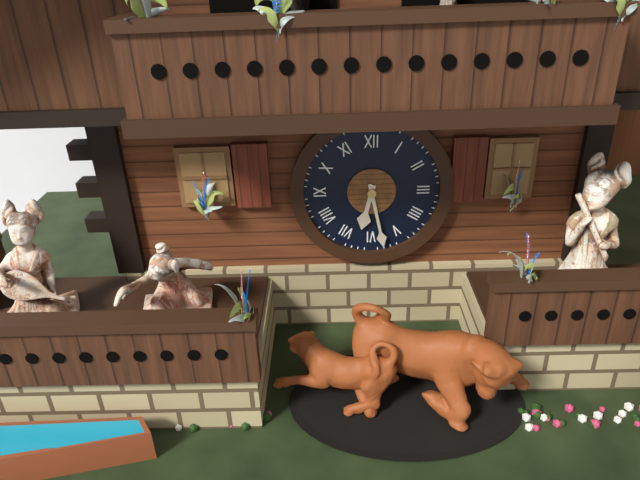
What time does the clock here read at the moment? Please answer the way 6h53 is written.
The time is 6h28
